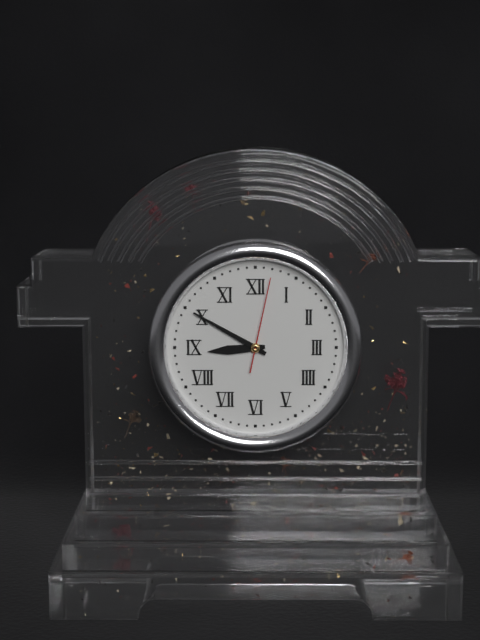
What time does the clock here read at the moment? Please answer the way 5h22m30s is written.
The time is 8h50m02s
